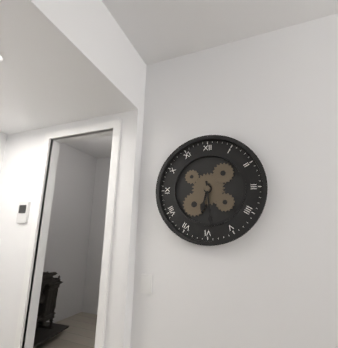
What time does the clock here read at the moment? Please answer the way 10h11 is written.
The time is 6h29
